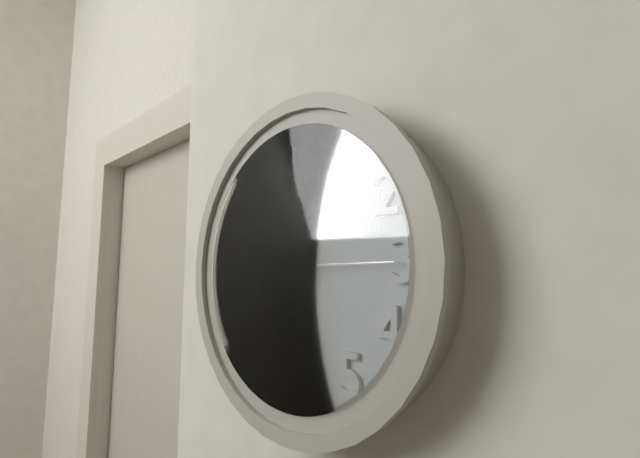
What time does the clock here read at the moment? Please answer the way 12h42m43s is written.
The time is 11h53m15s
